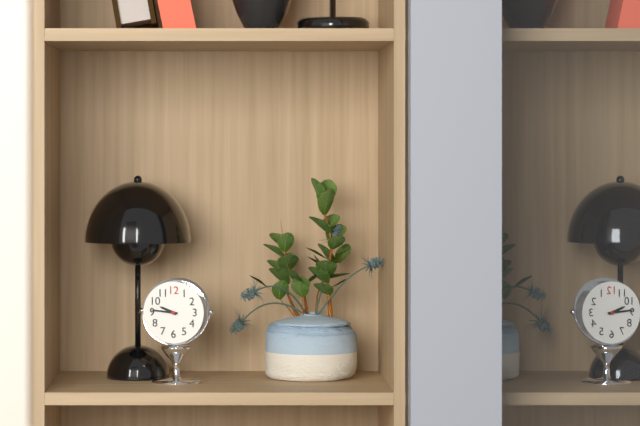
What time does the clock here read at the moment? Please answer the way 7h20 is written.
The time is 9h46
